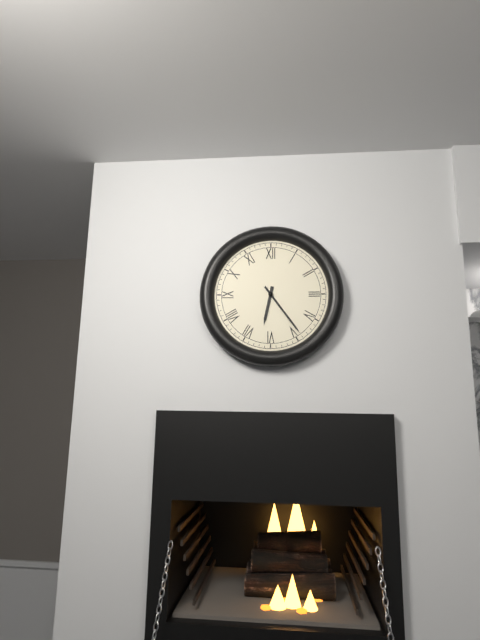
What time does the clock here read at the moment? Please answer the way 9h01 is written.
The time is 6h24
